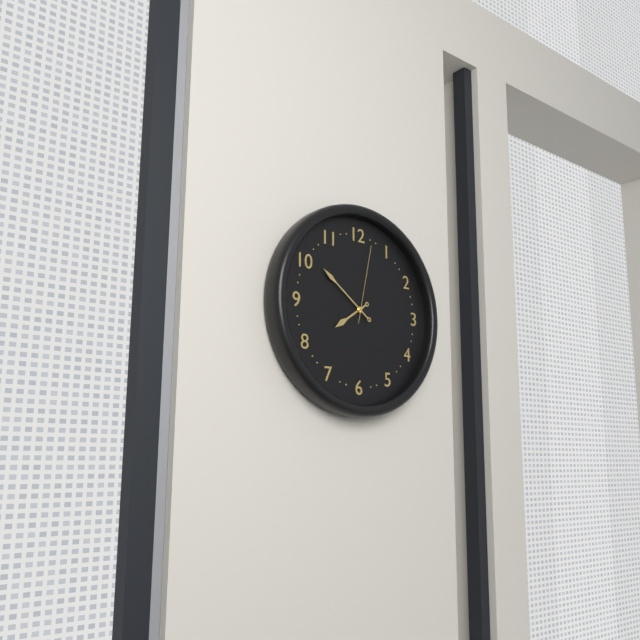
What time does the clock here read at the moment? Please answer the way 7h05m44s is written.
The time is 7h51m02s
